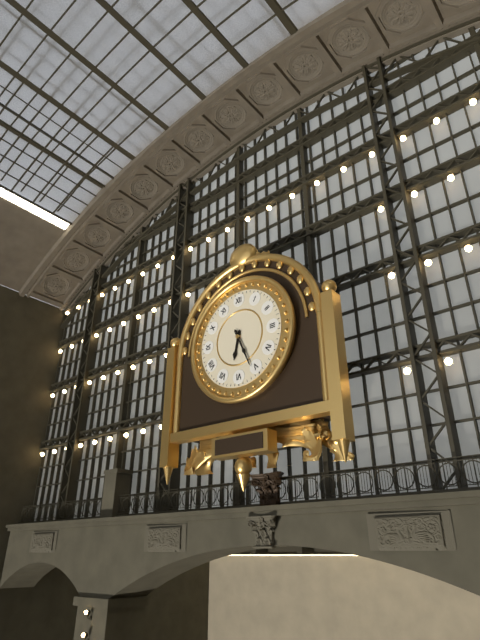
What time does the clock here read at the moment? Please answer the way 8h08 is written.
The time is 6h26
